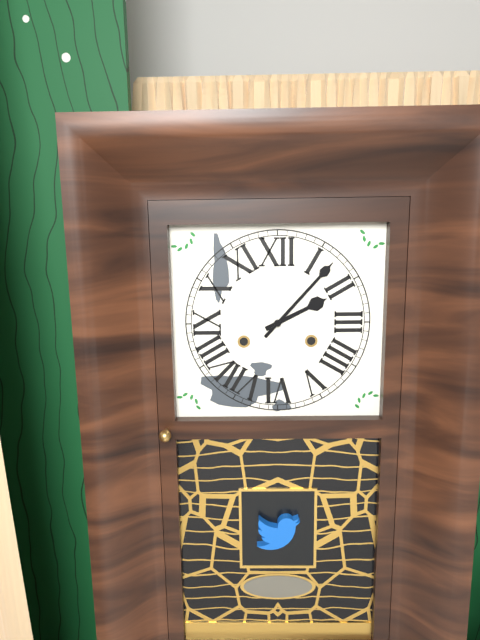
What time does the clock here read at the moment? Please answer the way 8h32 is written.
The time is 2h07
